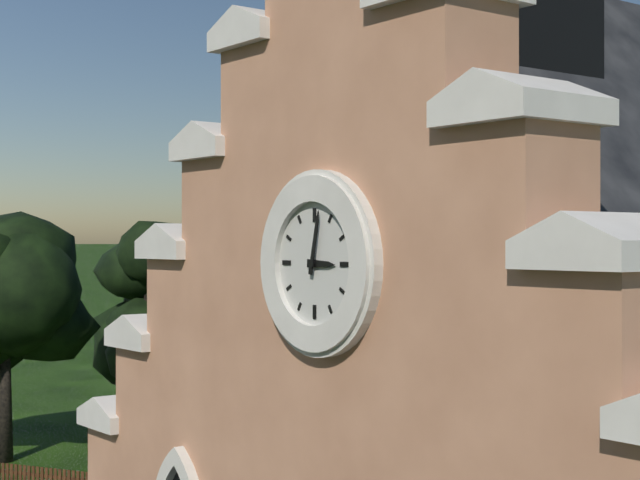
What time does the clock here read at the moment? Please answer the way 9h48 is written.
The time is 3h02
